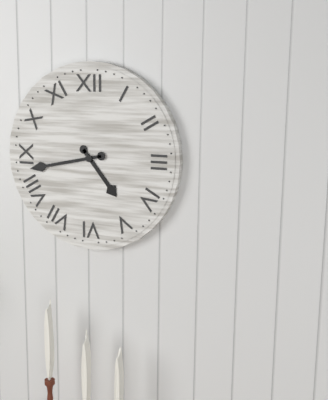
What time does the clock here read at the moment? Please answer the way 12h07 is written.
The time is 4h43
